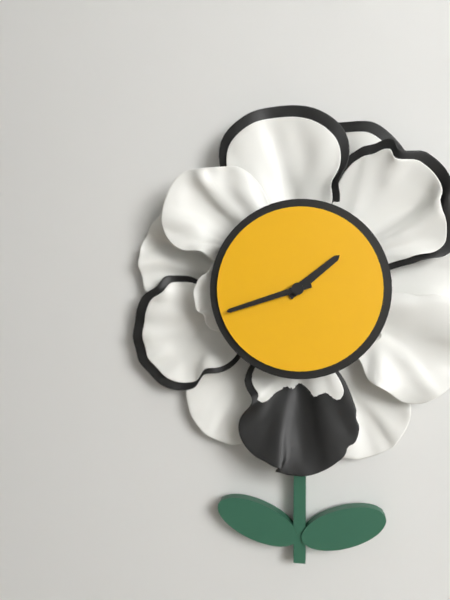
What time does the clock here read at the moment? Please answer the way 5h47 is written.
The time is 1h42
